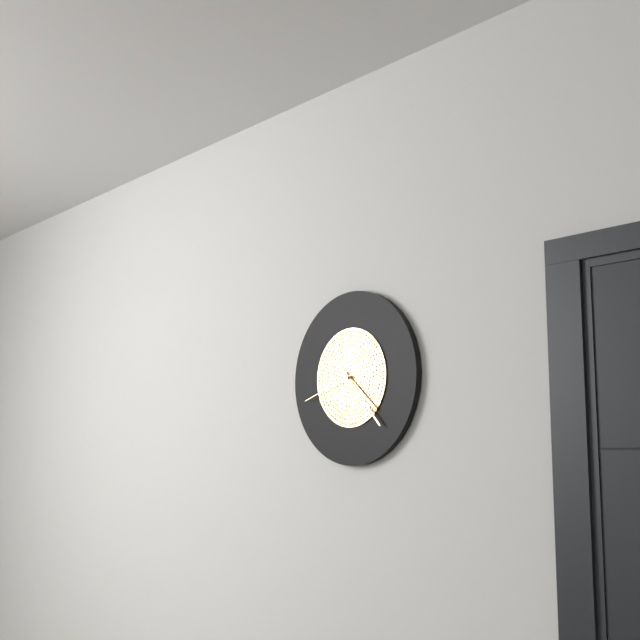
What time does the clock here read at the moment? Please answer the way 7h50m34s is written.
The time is 4h23m42s
